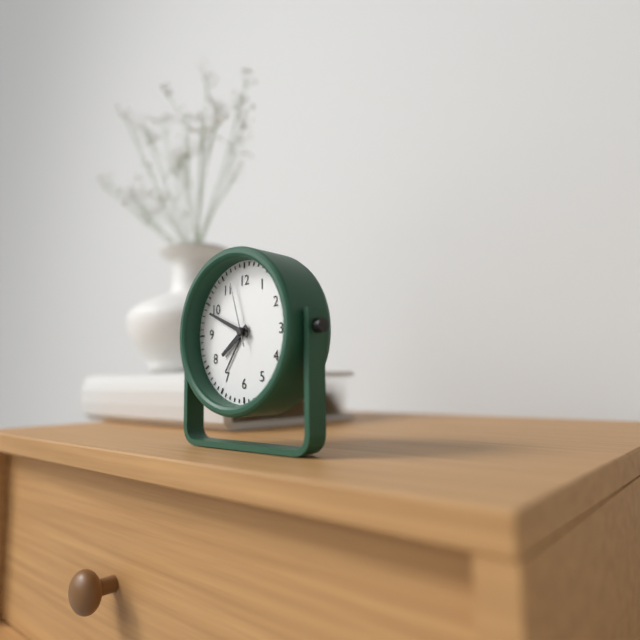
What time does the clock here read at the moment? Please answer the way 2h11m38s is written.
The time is 7h49m57s
